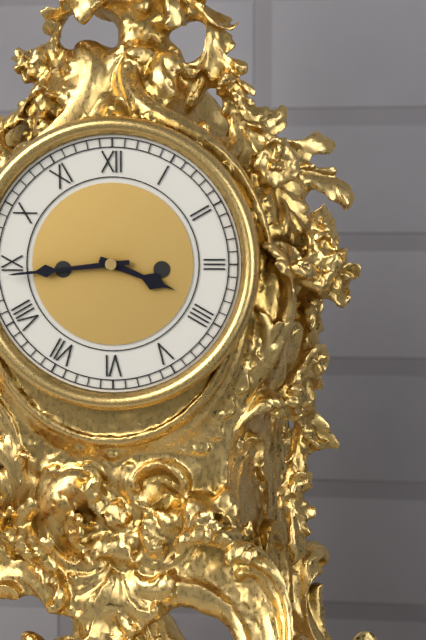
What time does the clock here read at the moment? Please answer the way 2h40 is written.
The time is 3h44
